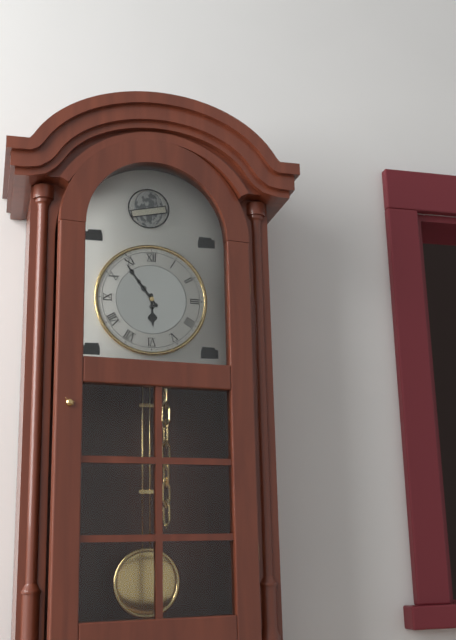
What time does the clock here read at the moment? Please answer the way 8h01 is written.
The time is 5h54
